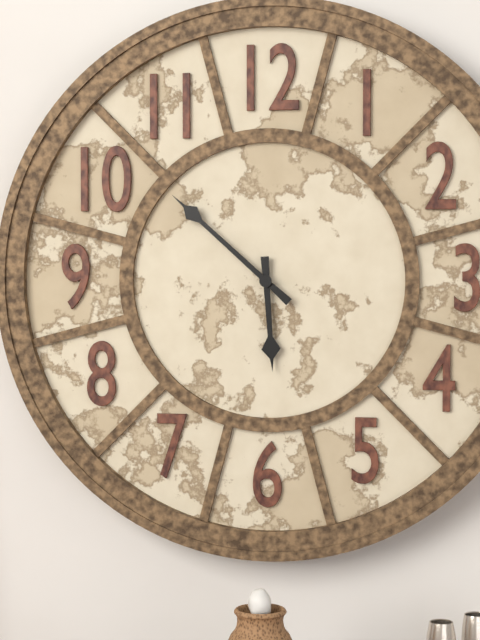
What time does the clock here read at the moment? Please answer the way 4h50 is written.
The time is 5h52
